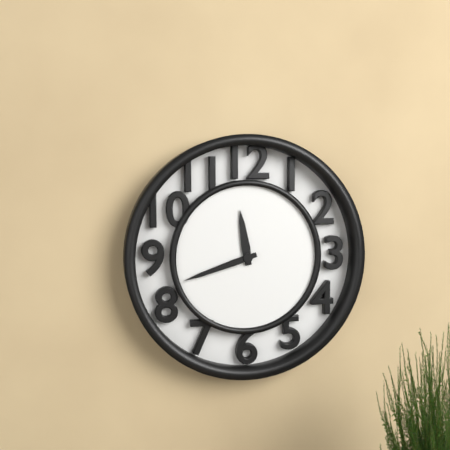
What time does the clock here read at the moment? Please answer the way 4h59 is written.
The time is 11h42
